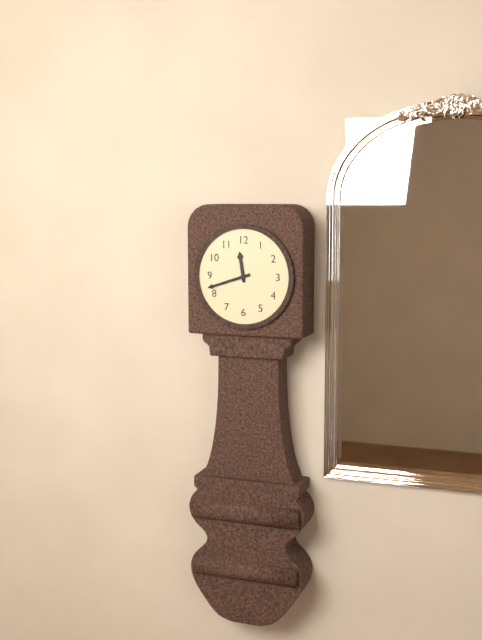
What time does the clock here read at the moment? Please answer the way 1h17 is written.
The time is 11h42
